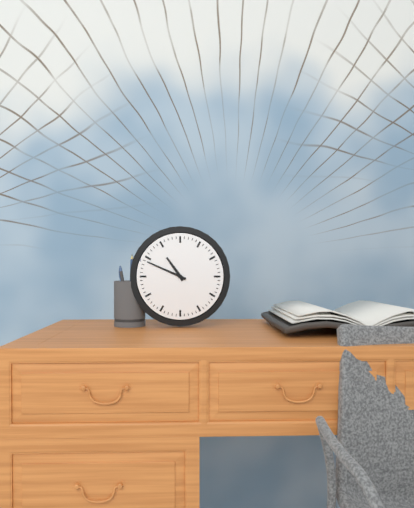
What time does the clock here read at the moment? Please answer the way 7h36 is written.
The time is 10h49
